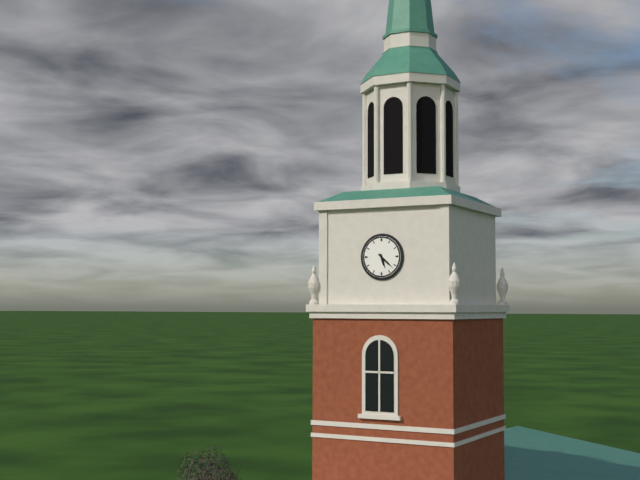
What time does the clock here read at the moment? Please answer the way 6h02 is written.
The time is 5h22
